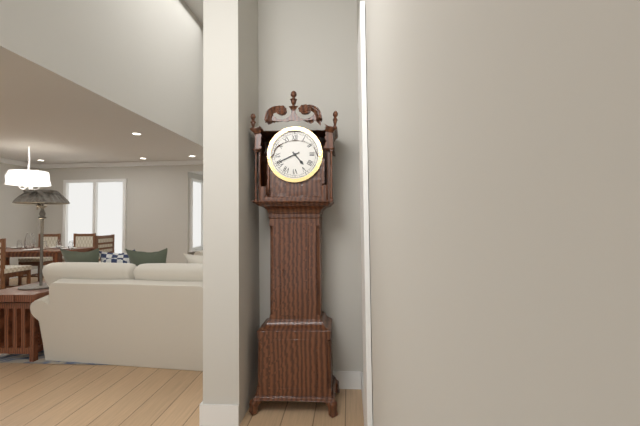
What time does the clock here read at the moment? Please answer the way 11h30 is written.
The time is 4h41
